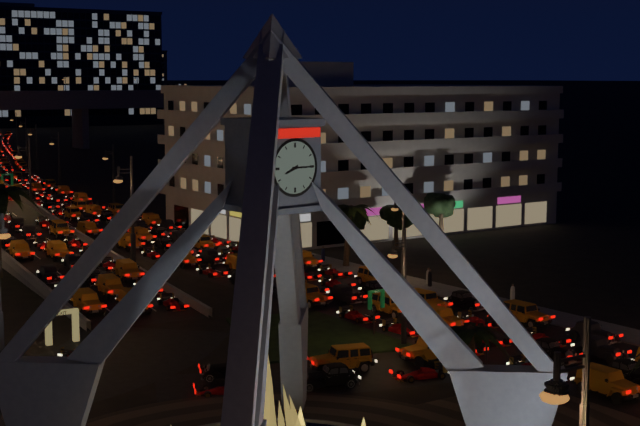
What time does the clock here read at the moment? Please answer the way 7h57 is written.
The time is 8h15
